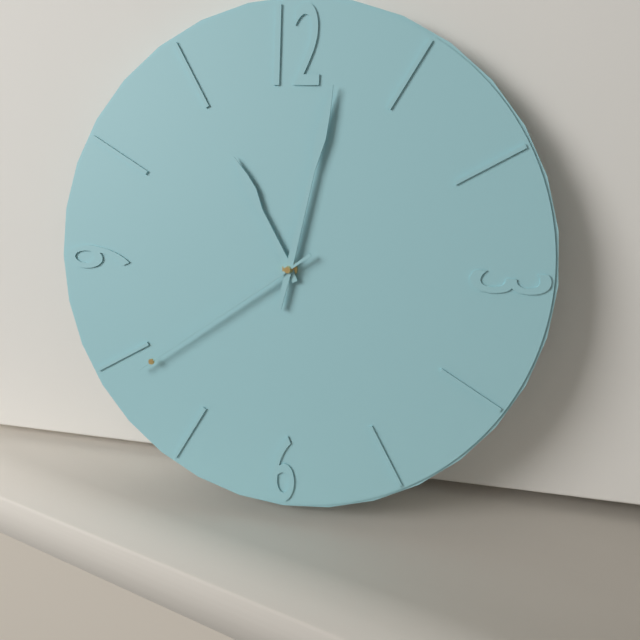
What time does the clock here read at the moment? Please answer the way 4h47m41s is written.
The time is 11h02m39s
